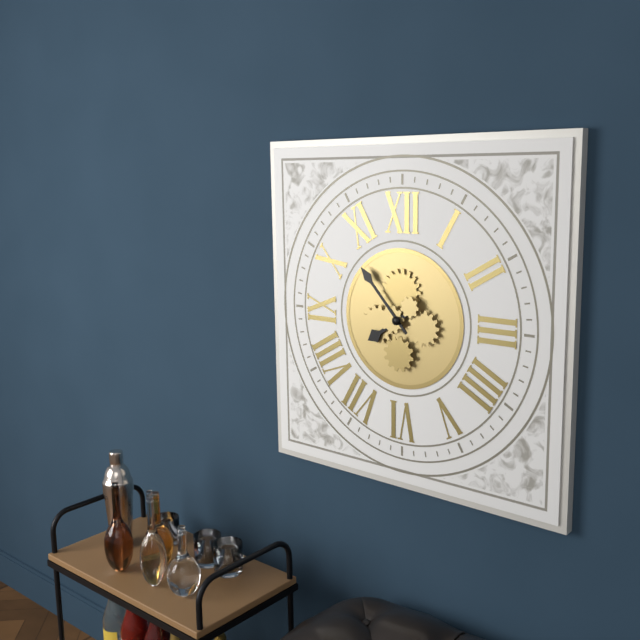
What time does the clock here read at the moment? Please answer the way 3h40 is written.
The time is 7h53
